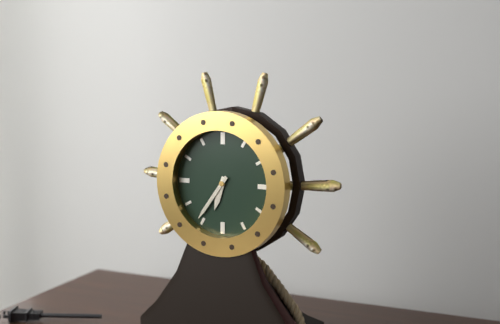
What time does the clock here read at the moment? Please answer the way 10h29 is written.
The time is 6h36
